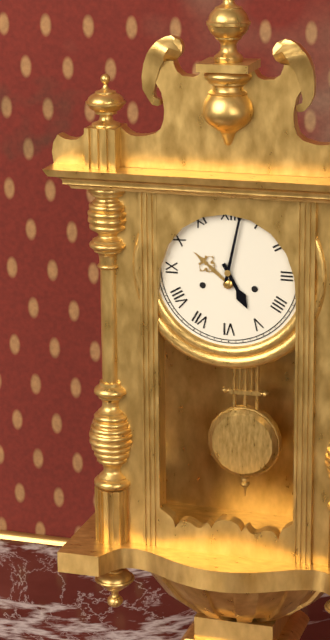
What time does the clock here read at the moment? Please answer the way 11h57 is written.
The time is 5h02
